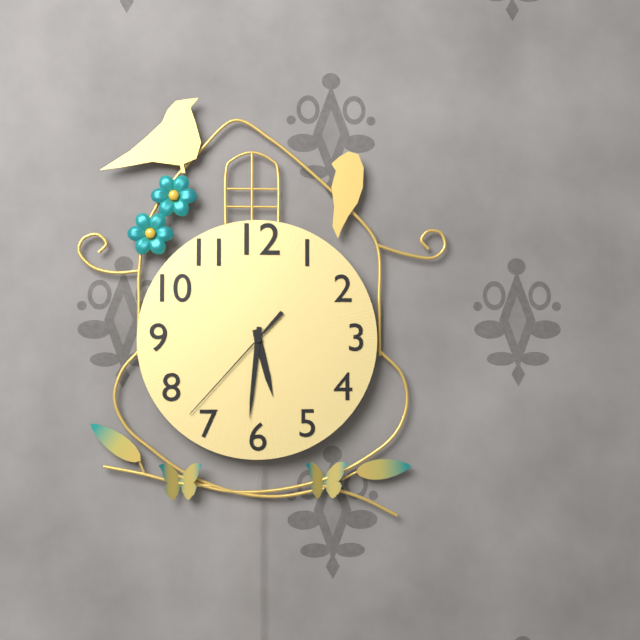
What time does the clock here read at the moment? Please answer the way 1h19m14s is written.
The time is 5h31m37s
